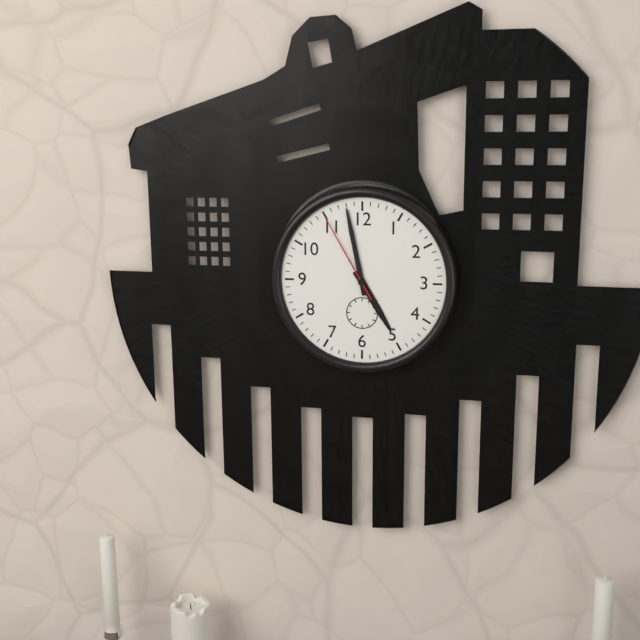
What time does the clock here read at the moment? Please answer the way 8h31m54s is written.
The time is 4h58m55s
